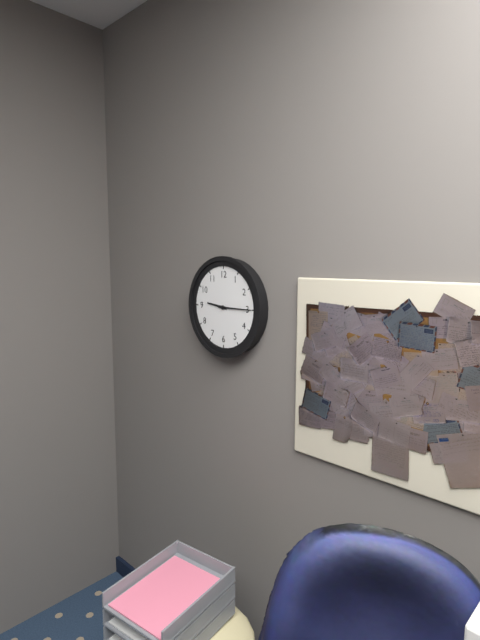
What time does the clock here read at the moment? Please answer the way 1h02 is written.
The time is 9h15
